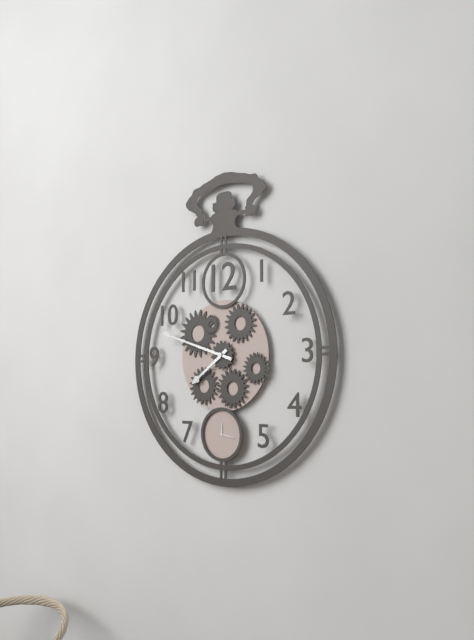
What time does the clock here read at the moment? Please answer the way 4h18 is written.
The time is 7h48
